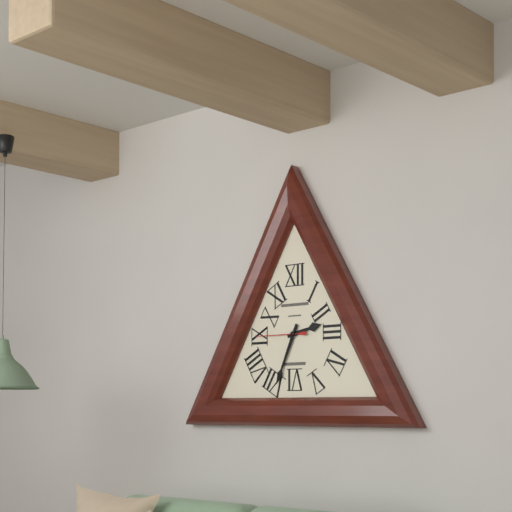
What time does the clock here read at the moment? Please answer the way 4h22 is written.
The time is 2h34
